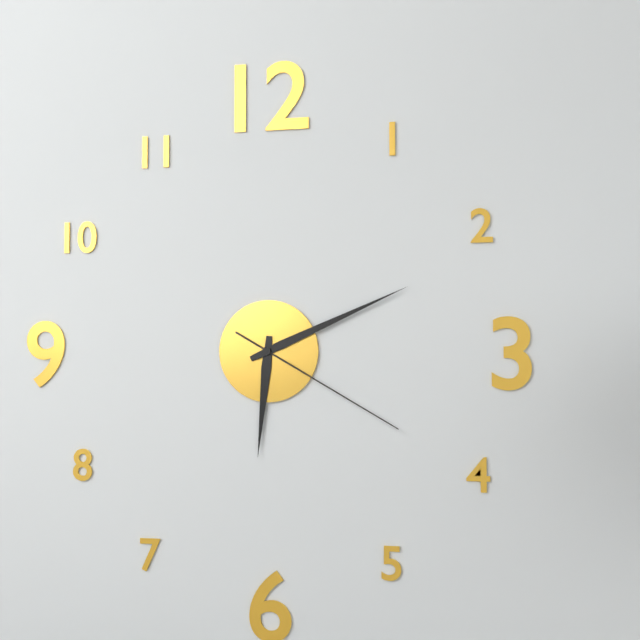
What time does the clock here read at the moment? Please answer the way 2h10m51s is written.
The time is 6h11m20s
